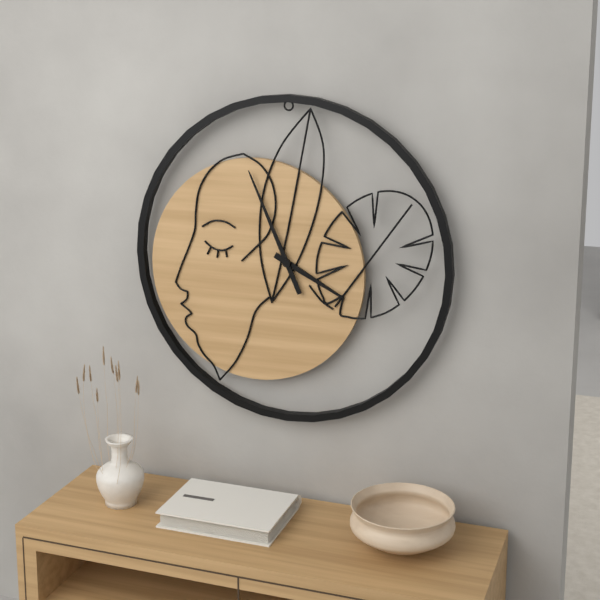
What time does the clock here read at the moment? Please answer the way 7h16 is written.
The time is 3h56
